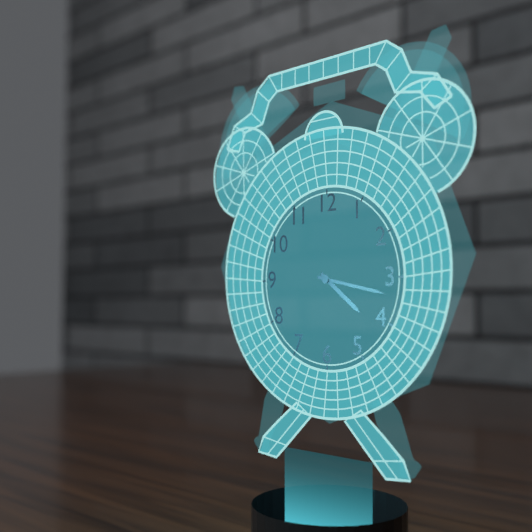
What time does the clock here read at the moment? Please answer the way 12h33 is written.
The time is 4h17
